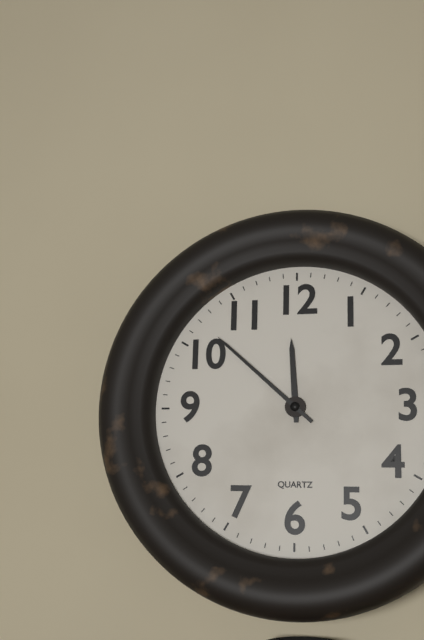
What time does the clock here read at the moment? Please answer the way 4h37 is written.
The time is 11h52
